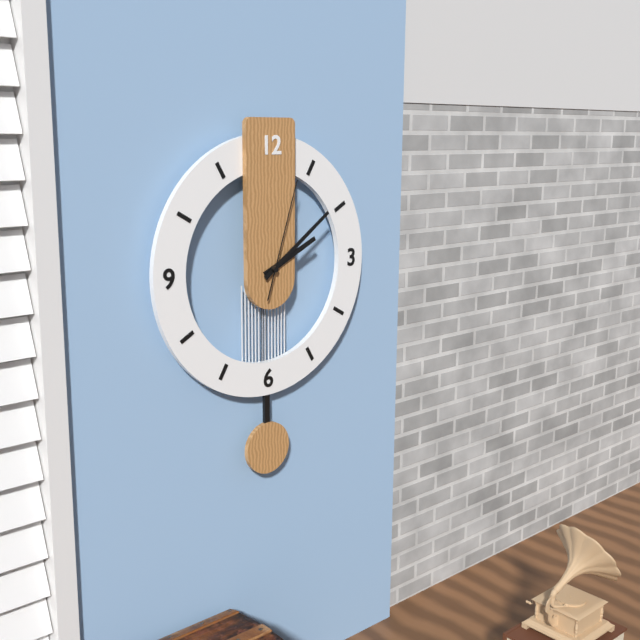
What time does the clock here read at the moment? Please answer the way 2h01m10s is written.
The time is 2h09m03s
